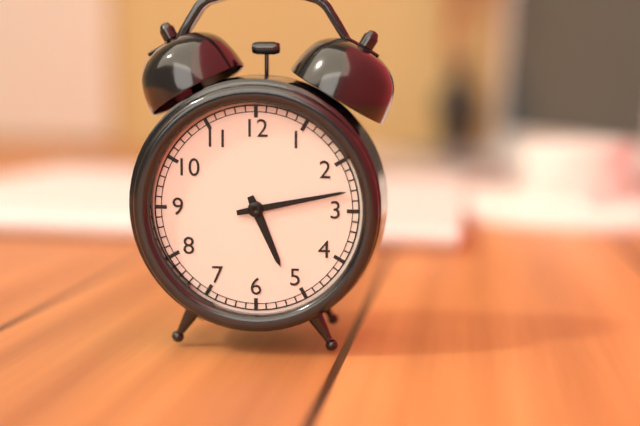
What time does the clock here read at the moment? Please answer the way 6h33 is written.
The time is 5h13
